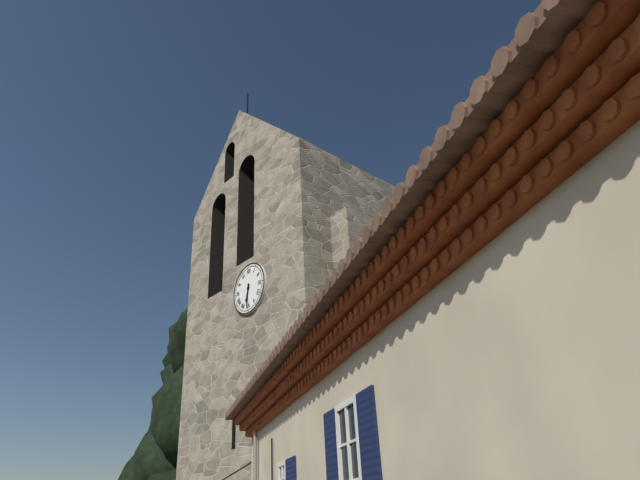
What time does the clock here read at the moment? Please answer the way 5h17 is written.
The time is 6h31
